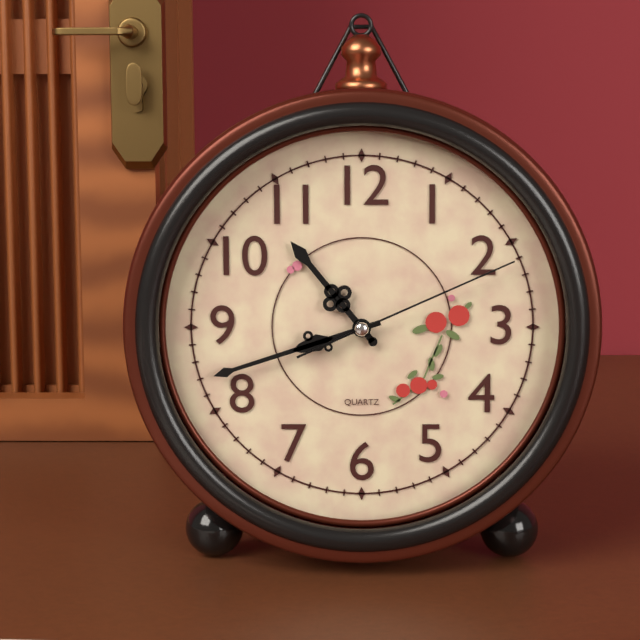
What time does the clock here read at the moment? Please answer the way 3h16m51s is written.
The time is 10h42m11s
